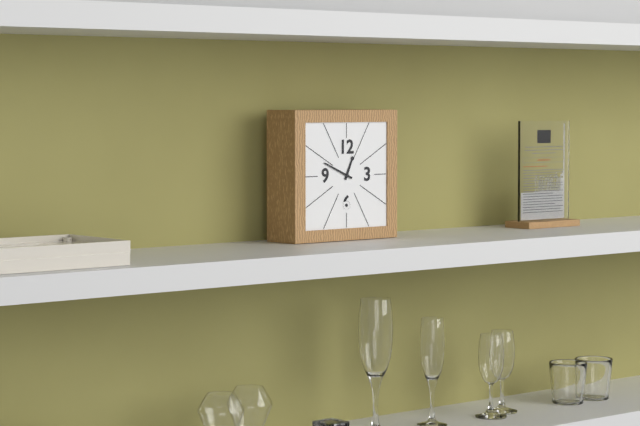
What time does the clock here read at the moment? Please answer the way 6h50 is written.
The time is 12h49
